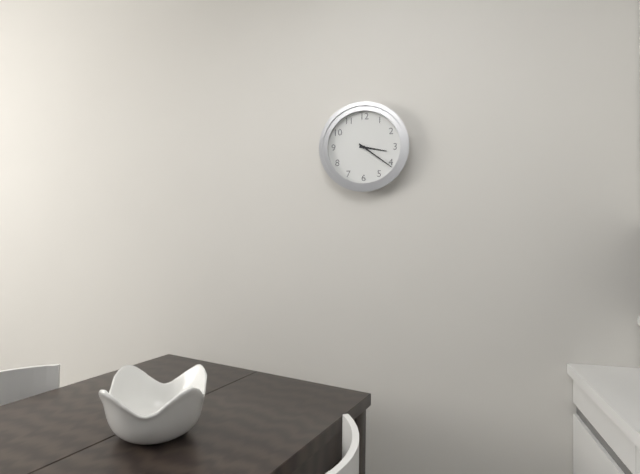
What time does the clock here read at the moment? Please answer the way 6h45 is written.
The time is 3h21
